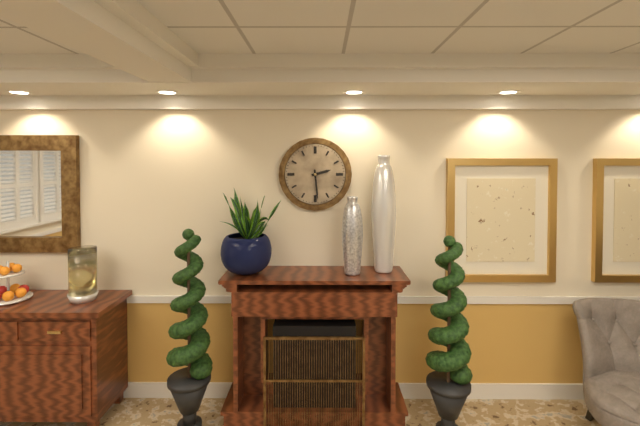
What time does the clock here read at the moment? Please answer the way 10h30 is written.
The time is 2h29
